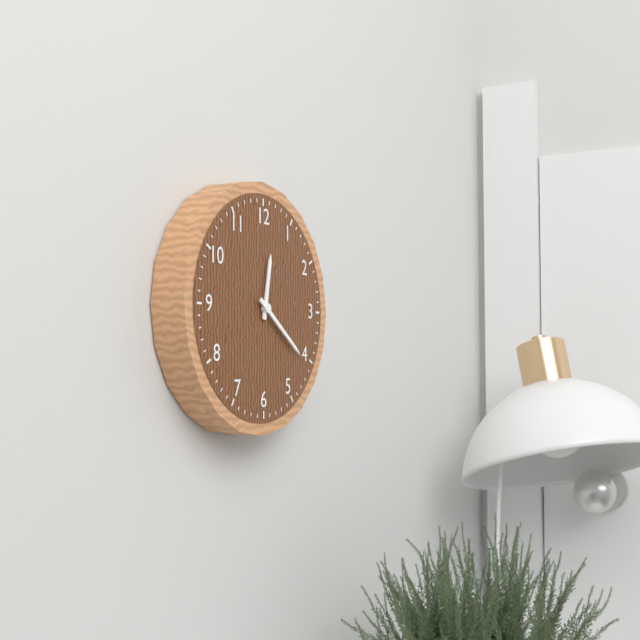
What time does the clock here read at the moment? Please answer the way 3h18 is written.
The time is 12h21
